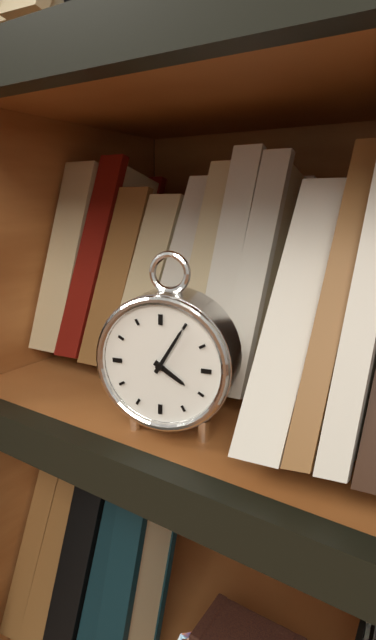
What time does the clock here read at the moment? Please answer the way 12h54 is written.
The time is 4h05
